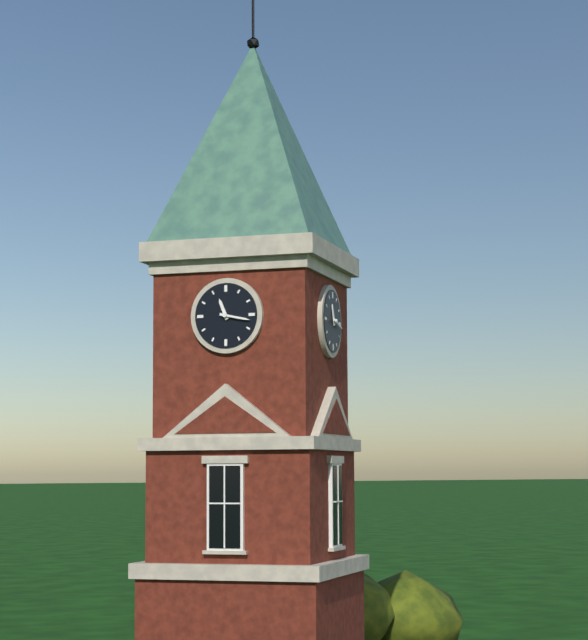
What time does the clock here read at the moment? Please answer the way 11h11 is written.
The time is 11h17
